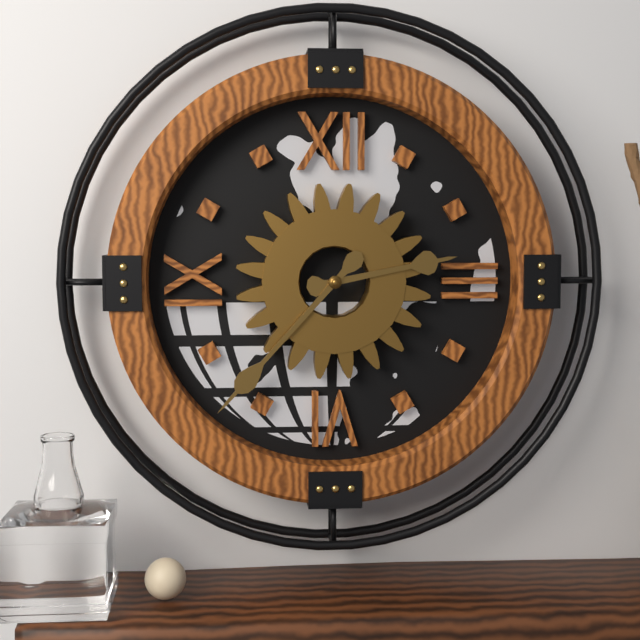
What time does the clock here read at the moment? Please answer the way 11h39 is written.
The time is 2h37
